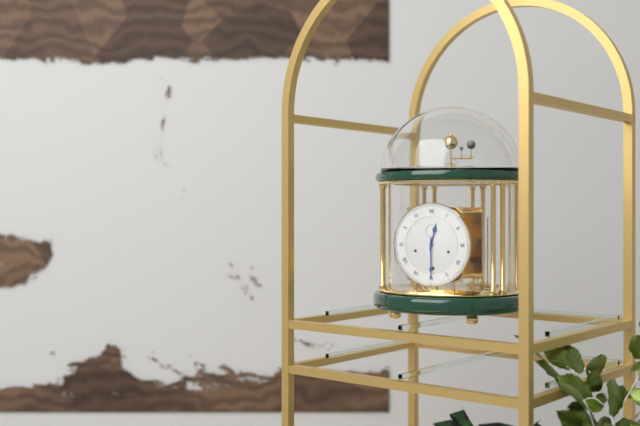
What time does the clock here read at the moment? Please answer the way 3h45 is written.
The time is 12h30
